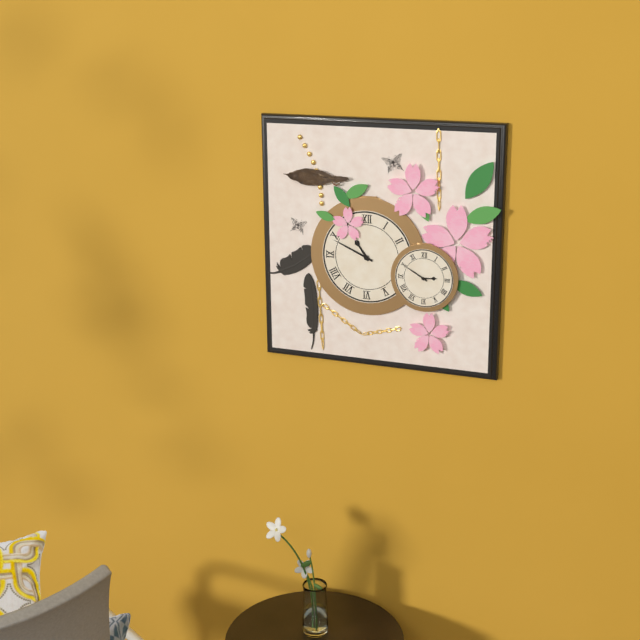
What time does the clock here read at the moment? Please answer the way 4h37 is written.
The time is 10h49
